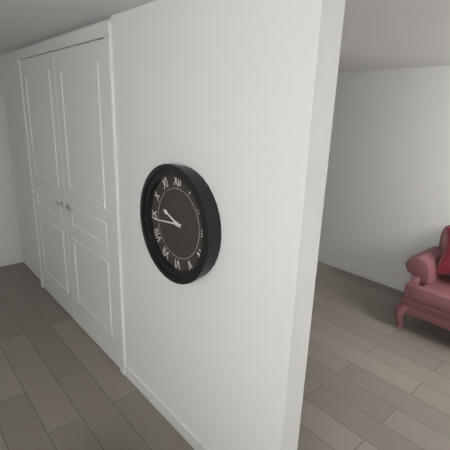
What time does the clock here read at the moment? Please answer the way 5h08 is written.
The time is 9h44
